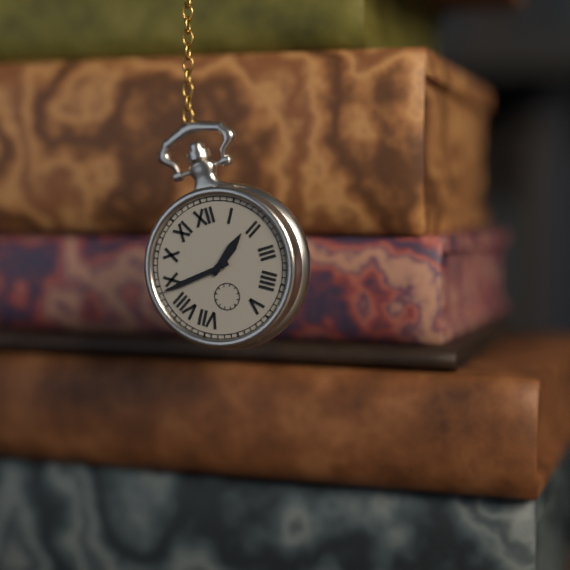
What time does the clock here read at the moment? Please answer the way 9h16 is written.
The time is 1h44
